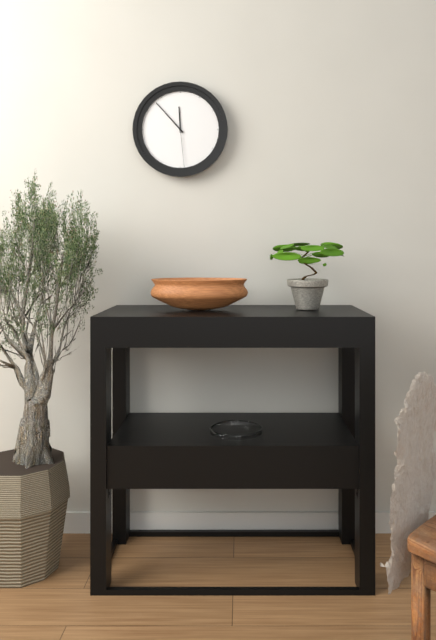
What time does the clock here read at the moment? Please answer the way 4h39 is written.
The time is 11h53
